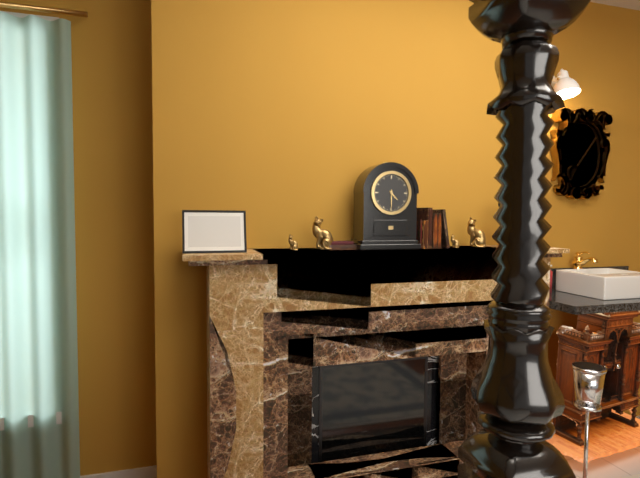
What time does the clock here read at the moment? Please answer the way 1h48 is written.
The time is 4h30
